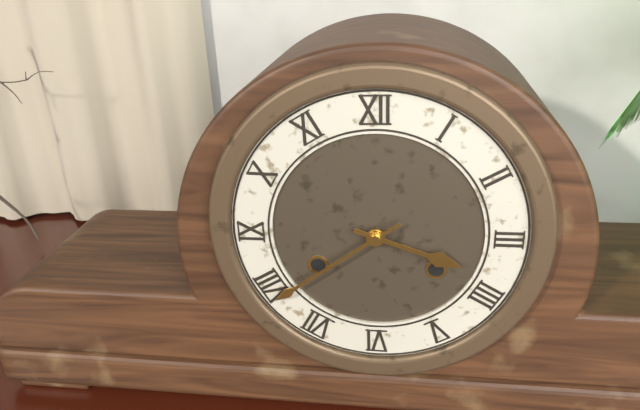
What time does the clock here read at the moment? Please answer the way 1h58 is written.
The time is 3h39
